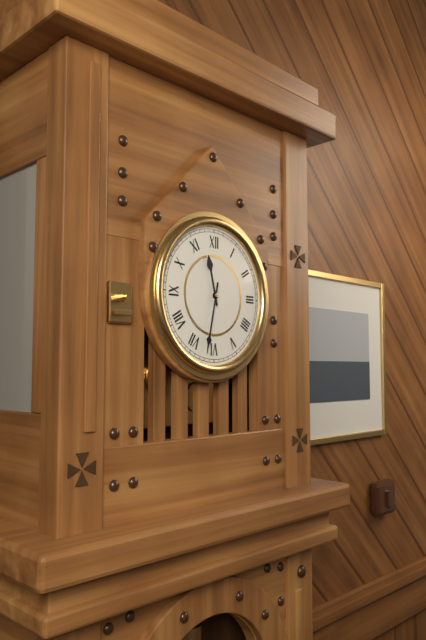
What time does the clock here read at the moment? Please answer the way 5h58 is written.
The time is 11h32
